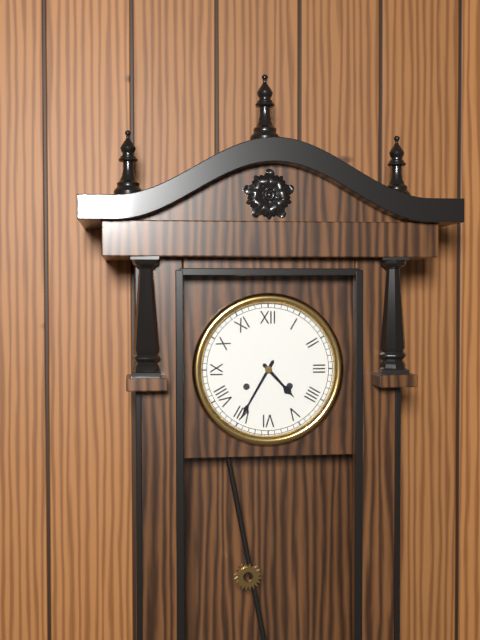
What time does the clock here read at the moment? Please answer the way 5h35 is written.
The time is 4h35
